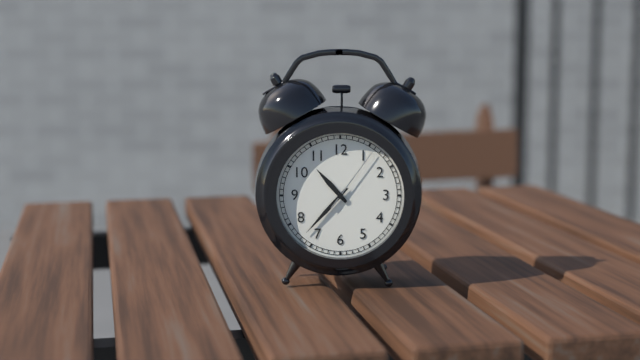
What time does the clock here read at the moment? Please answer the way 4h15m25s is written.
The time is 10h37m06s
